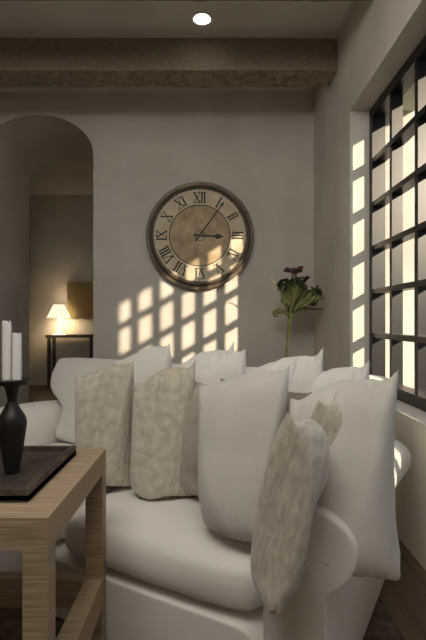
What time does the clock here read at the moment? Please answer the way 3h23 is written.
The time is 3h06
